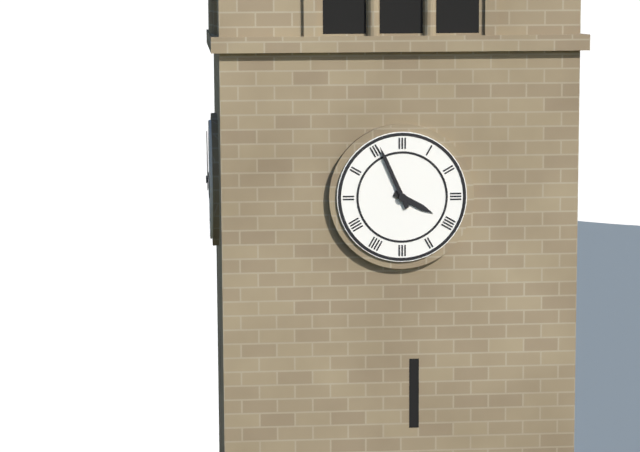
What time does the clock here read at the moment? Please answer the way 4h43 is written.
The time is 3h56
